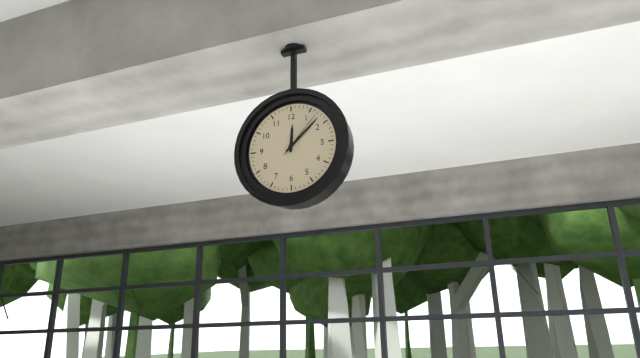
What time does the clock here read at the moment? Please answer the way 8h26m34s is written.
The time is 12h08m07s
